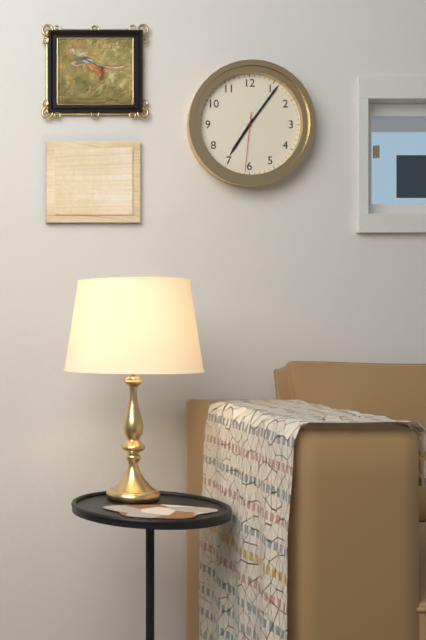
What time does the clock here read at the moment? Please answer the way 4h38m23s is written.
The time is 7h06m31s
